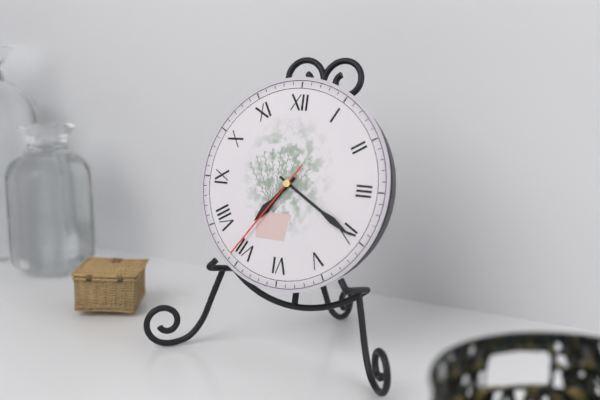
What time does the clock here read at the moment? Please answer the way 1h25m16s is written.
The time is 7h20m36s
